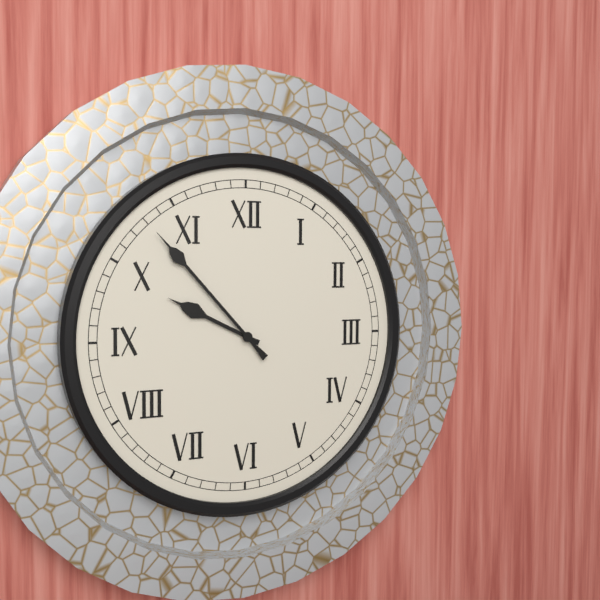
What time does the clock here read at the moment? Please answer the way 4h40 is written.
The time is 9h53
